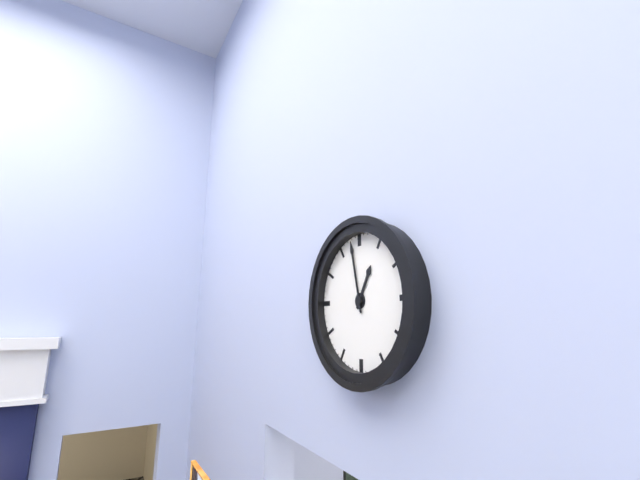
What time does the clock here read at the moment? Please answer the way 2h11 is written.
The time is 12h58
